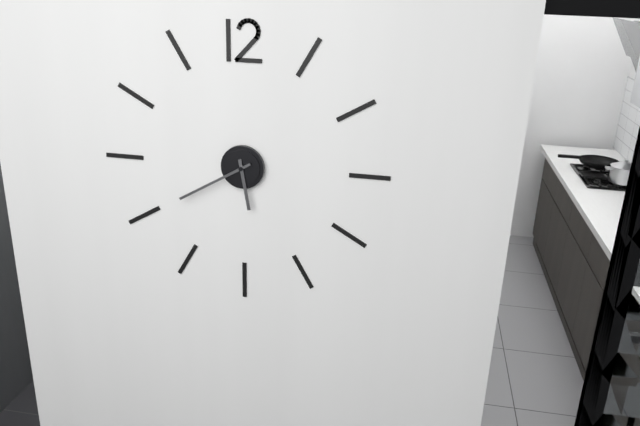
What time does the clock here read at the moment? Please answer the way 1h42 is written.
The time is 5h40
